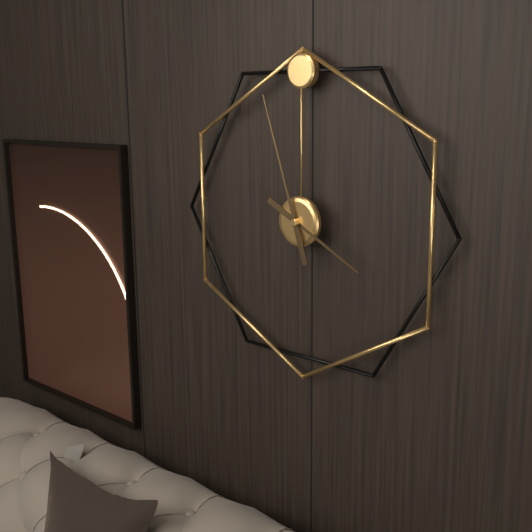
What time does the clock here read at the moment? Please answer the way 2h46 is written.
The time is 3h57
